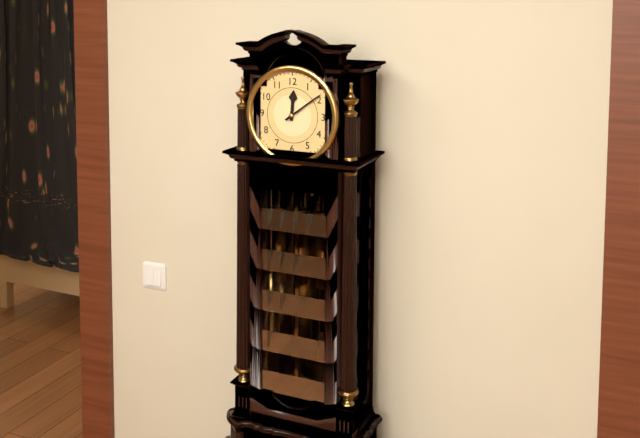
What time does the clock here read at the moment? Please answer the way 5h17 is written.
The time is 12h09
